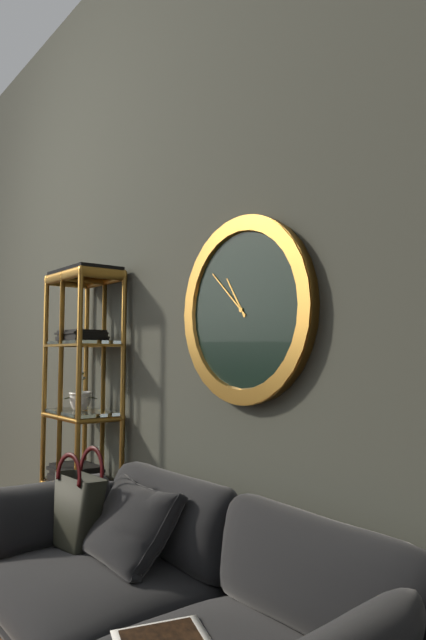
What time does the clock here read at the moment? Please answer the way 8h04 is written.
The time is 10h52
